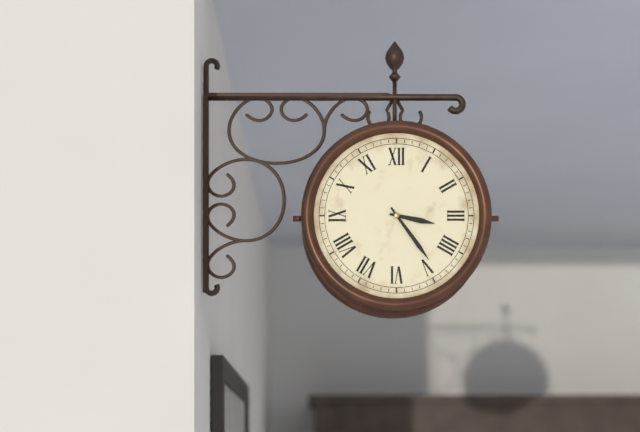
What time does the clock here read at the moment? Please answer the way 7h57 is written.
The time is 3h24
